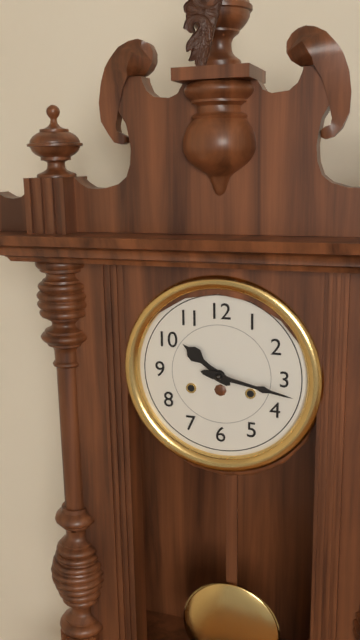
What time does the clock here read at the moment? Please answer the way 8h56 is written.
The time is 10h17
